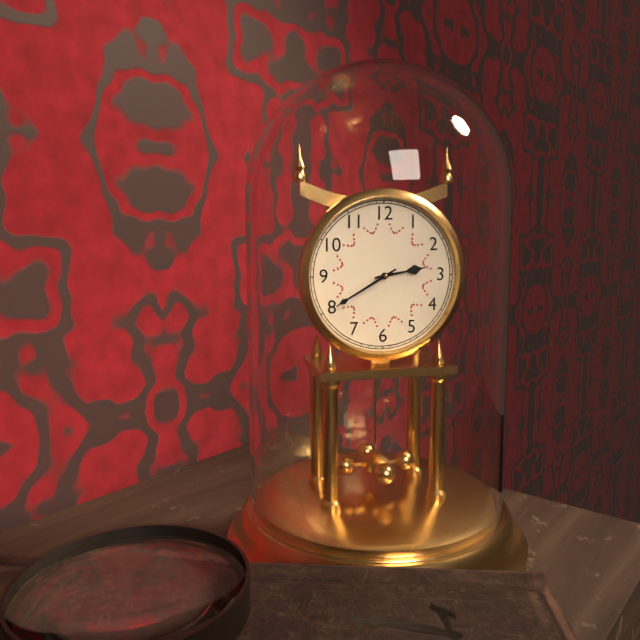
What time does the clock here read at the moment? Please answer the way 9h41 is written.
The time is 2h40
